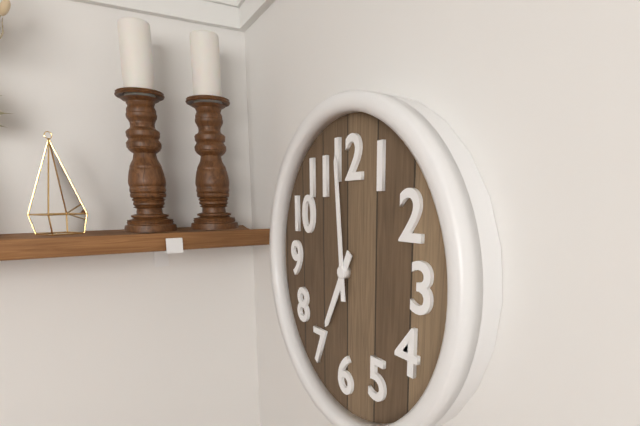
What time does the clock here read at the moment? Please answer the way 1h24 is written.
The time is 6h59
